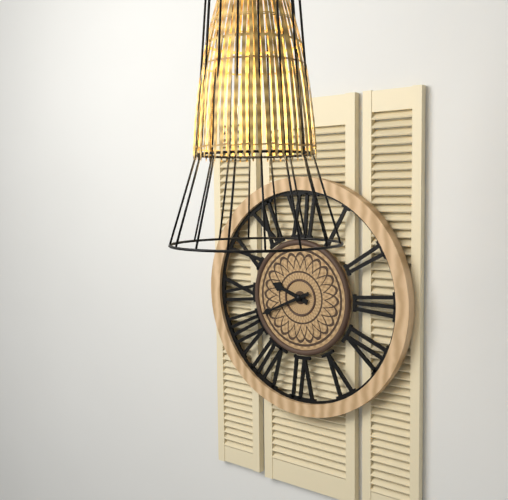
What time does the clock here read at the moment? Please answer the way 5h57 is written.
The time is 9h41
